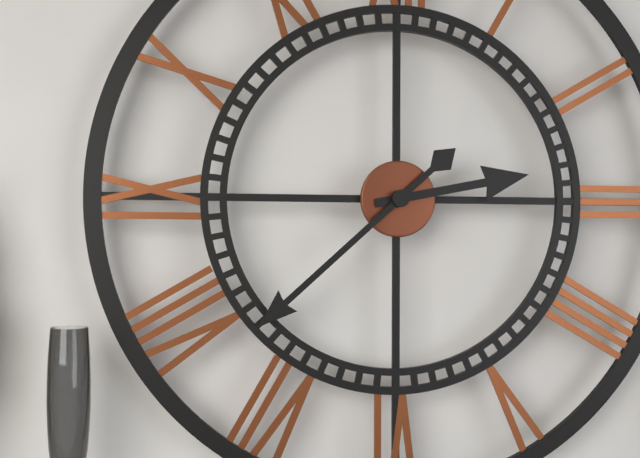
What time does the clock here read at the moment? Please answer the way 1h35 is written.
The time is 2h38
